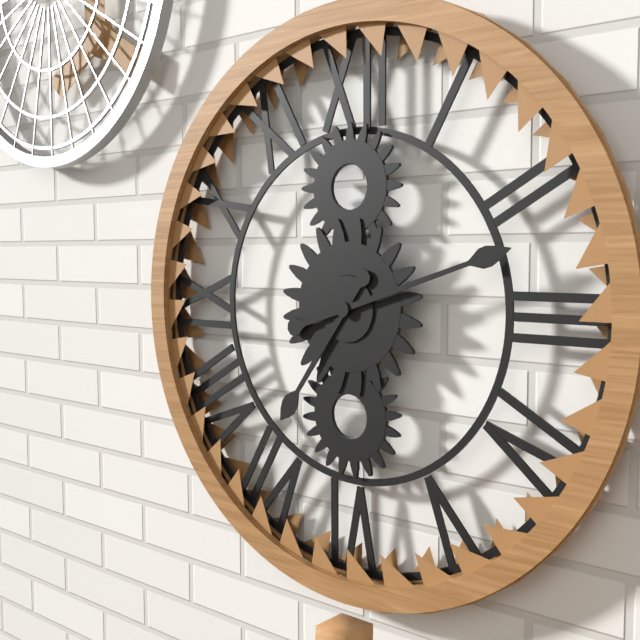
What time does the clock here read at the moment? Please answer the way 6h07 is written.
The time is 7h12
